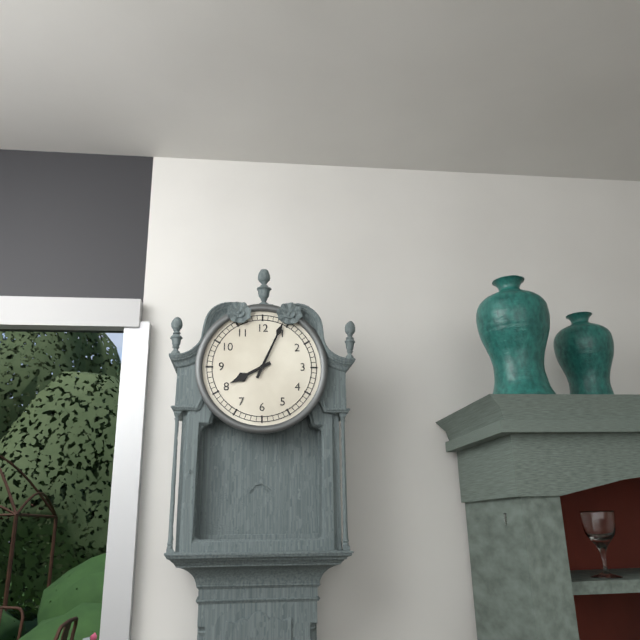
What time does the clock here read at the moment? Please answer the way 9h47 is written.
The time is 8h04
